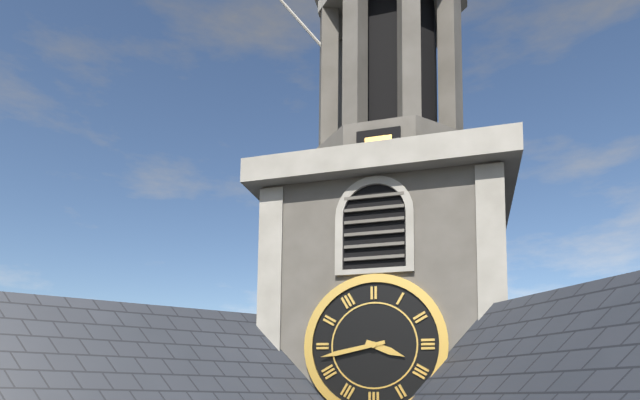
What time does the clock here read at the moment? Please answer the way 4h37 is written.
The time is 3h43
